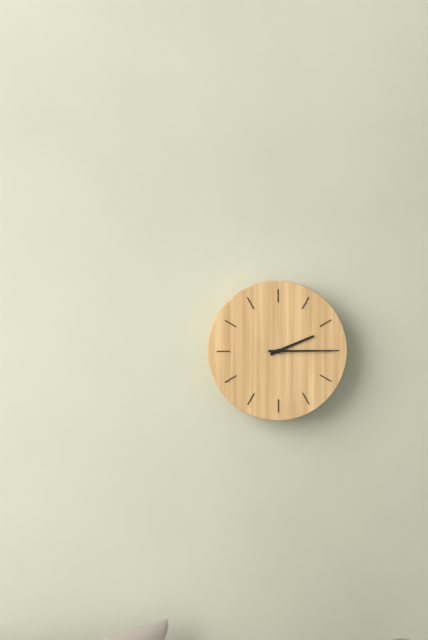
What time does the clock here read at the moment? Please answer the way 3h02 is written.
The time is 2h15
